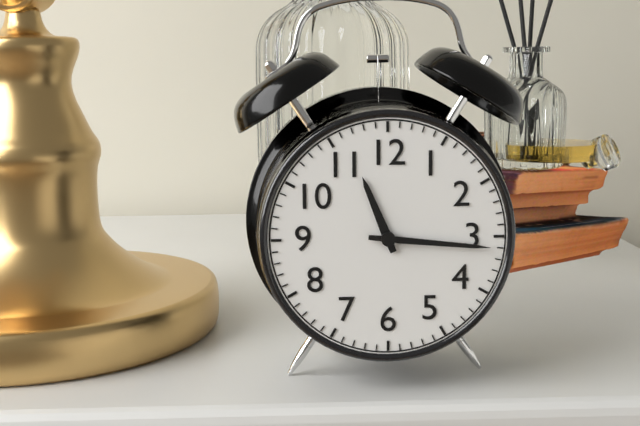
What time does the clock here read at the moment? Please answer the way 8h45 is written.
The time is 11h16
